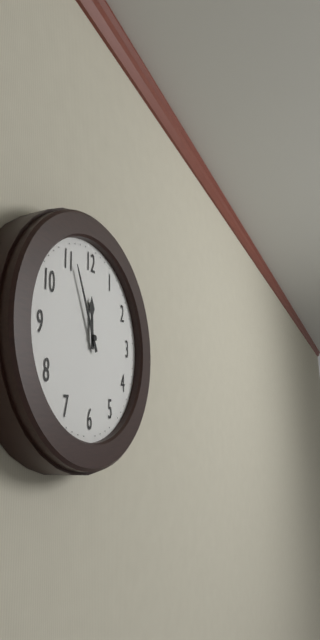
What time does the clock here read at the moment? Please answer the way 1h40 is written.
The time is 11h56
